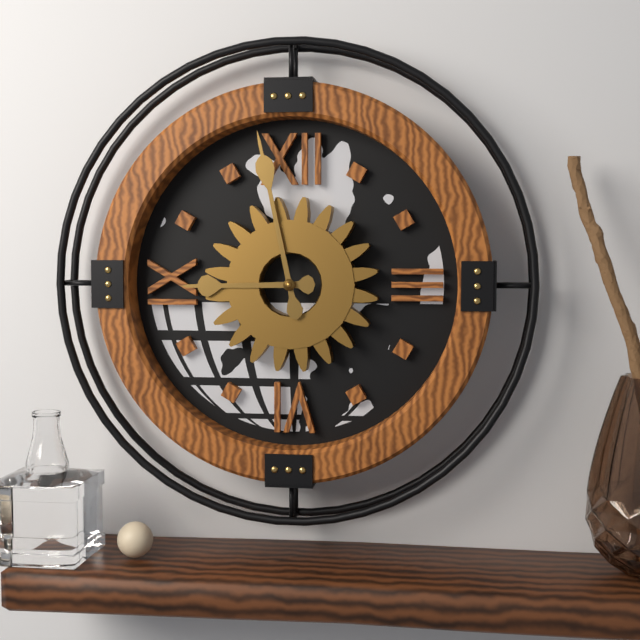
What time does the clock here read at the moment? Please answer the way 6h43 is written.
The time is 8h58
